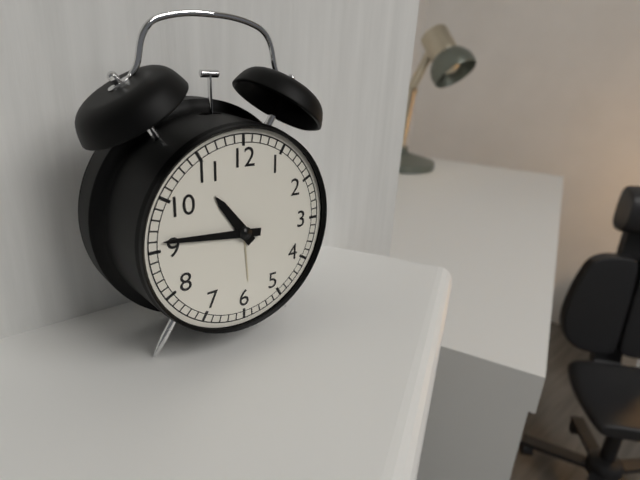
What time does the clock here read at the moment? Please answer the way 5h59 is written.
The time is 10h46
